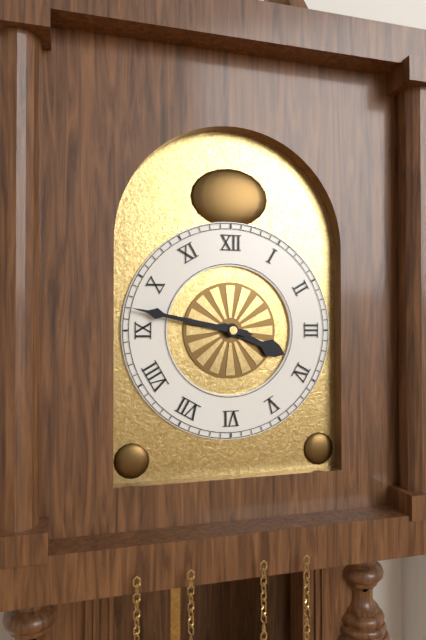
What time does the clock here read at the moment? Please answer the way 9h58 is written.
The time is 3h47
